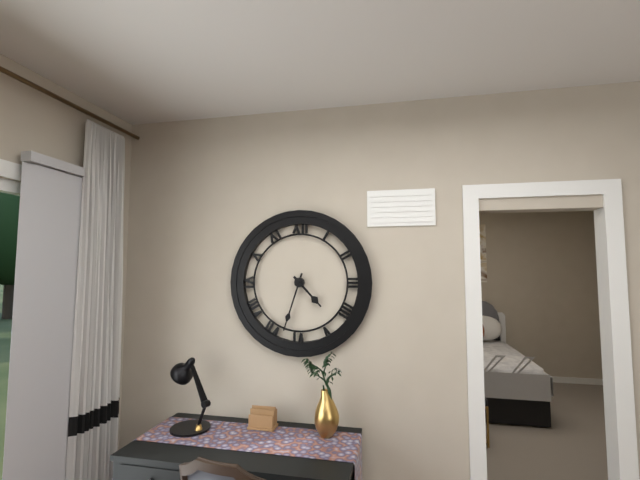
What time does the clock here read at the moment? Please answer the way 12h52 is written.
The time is 4h33
